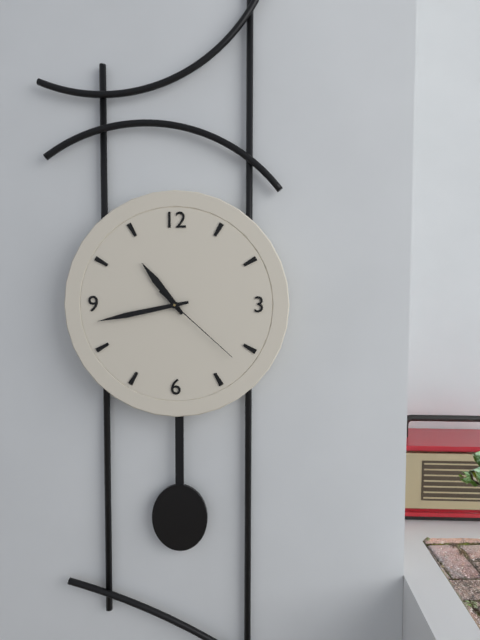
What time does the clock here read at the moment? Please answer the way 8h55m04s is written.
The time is 10h43m22s
